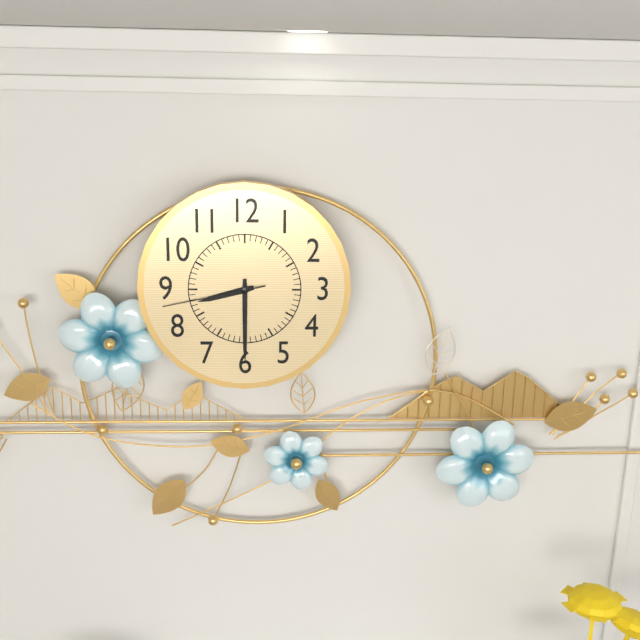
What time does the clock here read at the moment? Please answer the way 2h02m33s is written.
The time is 8h30m43s
